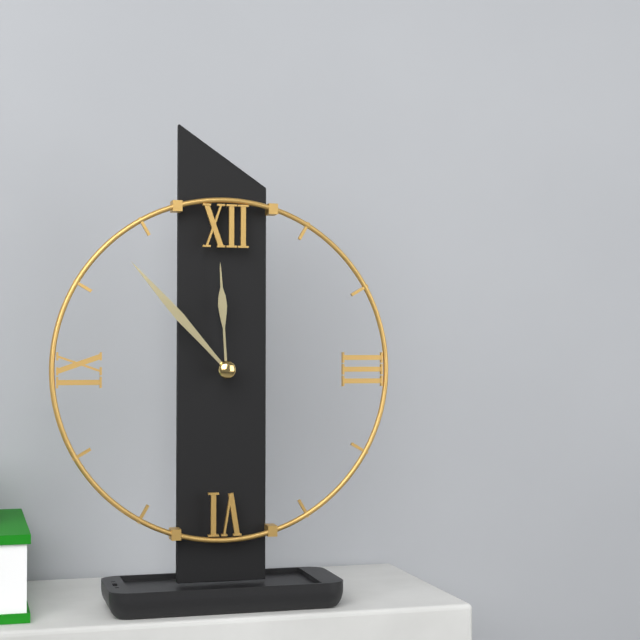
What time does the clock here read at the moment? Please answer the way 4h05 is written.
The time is 11h53
